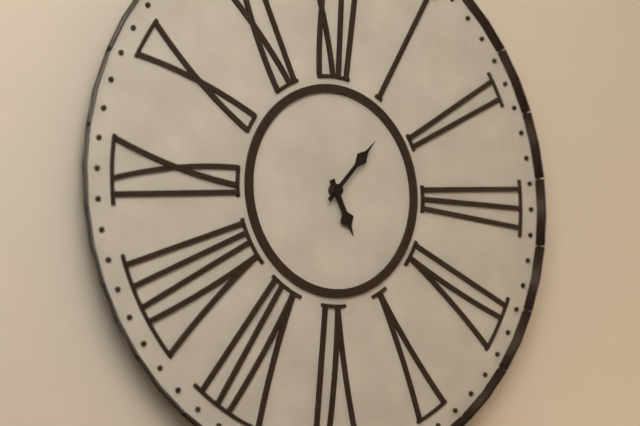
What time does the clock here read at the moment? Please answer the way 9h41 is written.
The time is 5h07
